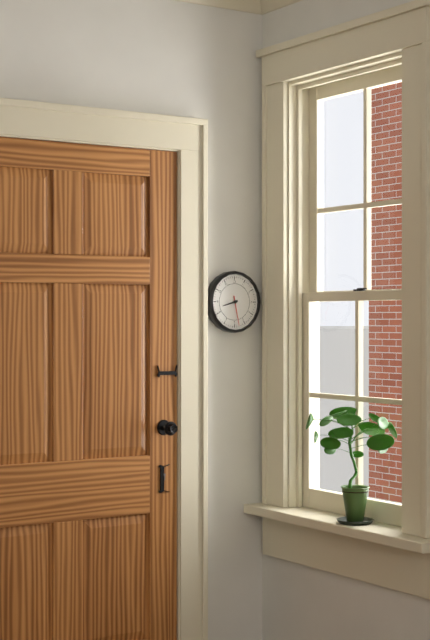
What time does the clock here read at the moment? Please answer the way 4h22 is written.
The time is 8h28
